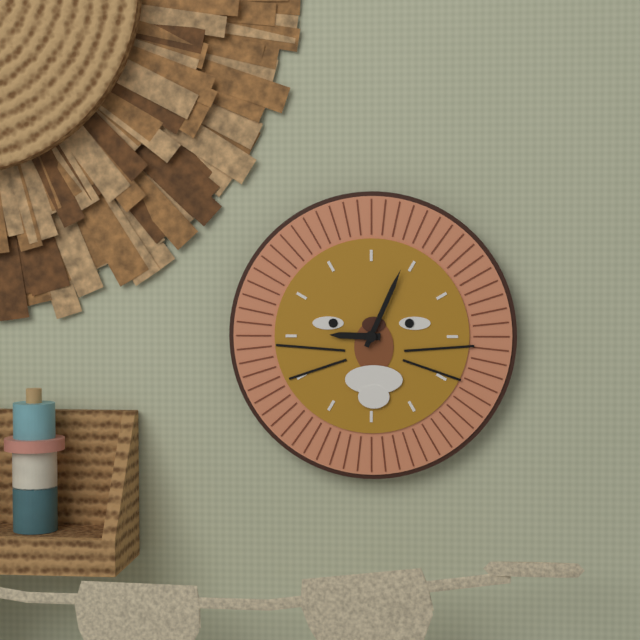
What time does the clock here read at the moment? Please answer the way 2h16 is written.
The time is 9h04
